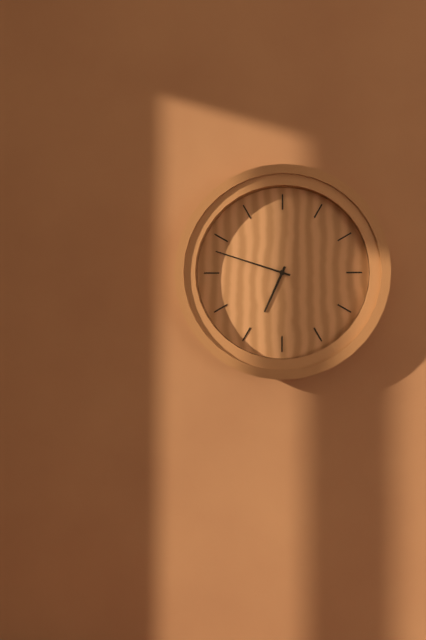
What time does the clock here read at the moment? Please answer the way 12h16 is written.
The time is 6h48
